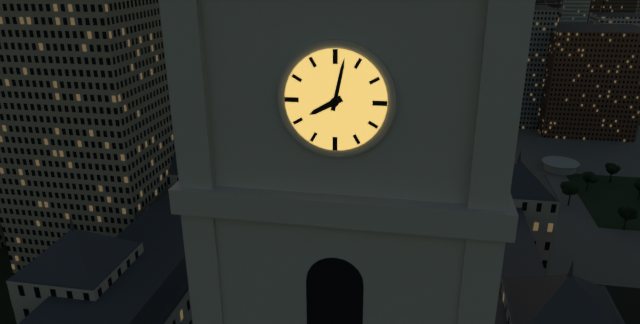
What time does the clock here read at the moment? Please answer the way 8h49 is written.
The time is 8h02
